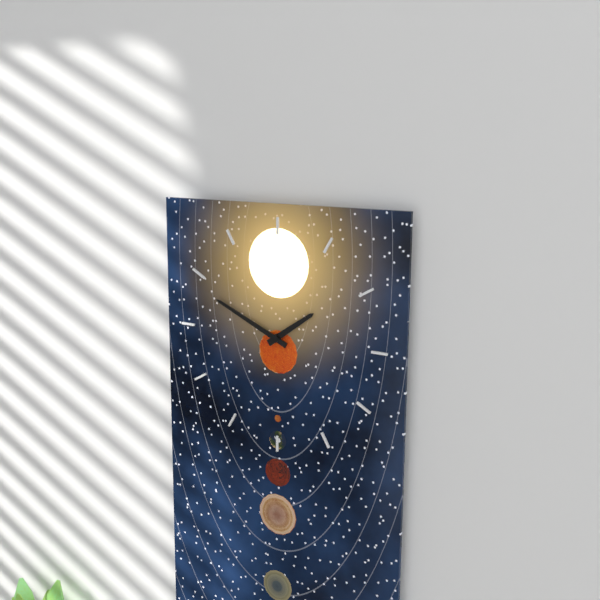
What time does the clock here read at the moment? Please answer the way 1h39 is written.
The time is 1h49
